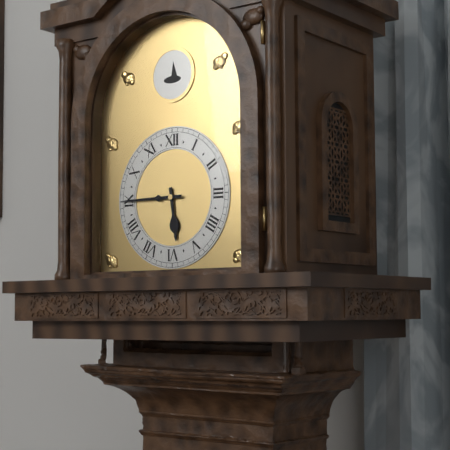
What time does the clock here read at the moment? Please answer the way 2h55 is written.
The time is 5h45
